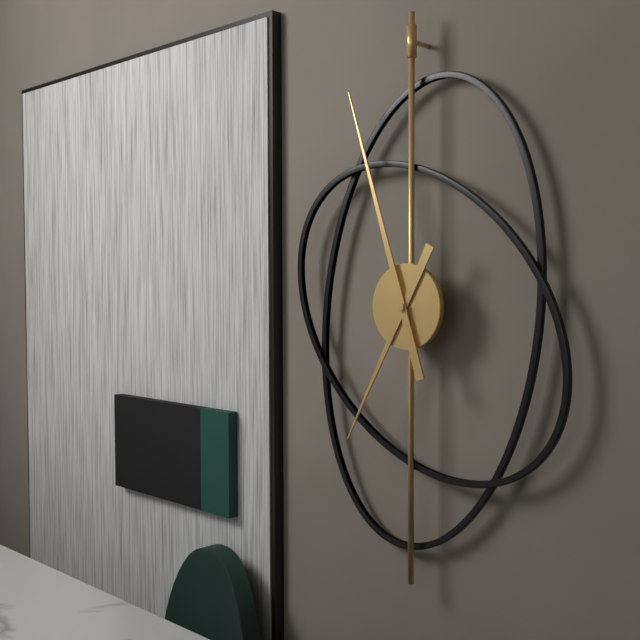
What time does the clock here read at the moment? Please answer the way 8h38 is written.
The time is 6h57
